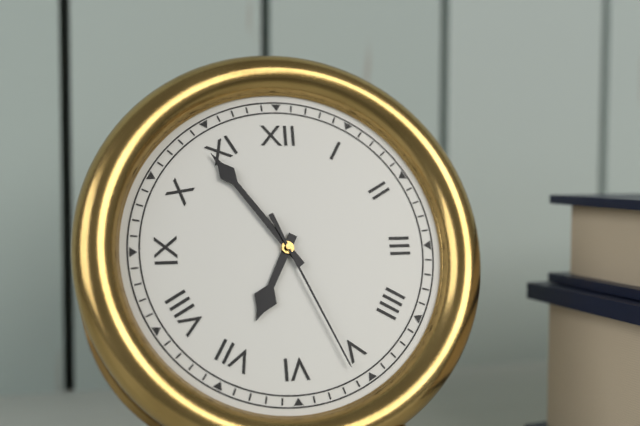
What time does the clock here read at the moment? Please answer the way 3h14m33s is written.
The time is 6h54m26s
